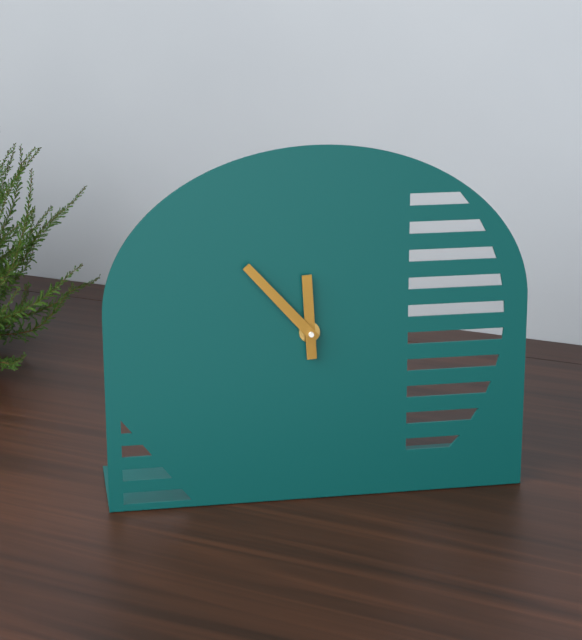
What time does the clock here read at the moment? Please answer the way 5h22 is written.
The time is 11h53
